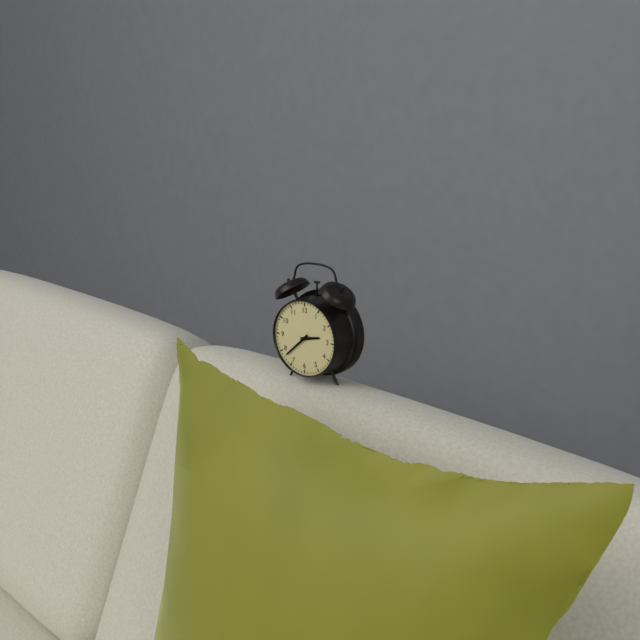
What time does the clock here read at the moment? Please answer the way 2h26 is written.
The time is 2h38
